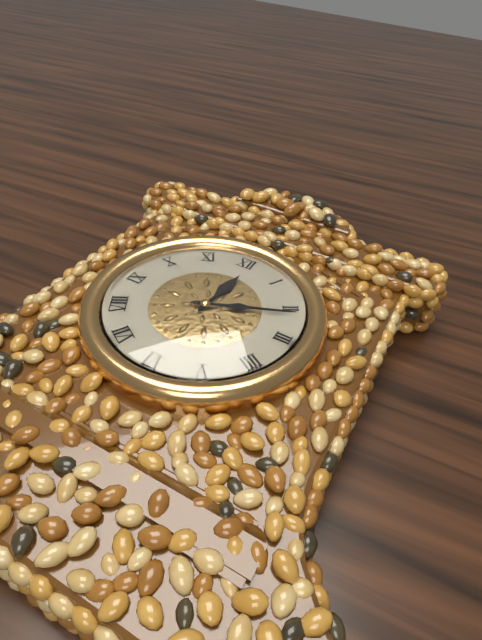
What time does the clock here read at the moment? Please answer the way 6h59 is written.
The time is 12h11
